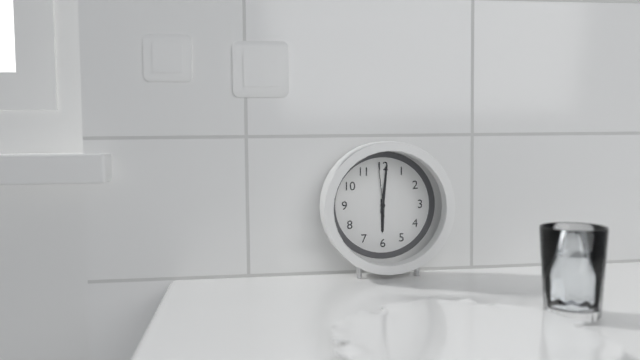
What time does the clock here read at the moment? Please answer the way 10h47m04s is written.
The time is 6h01m59s
